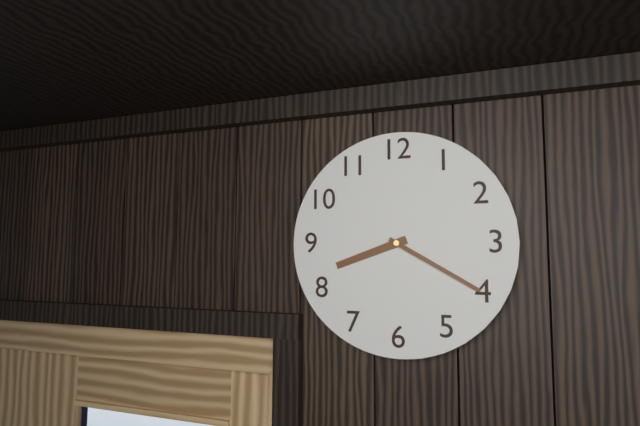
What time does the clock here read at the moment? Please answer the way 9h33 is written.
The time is 8h20
